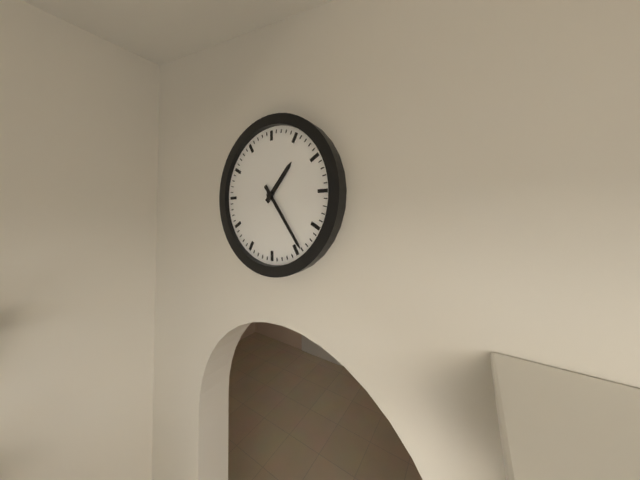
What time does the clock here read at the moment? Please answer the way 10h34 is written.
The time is 1h24
